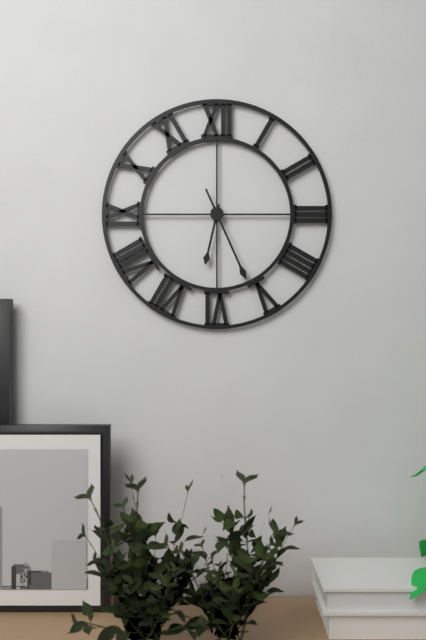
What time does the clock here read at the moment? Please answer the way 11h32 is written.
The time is 6h26
